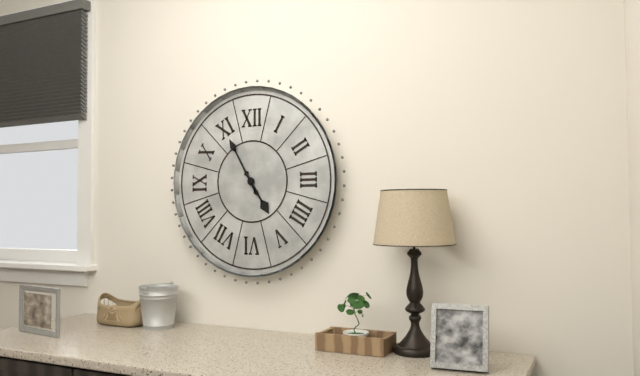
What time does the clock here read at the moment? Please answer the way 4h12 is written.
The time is 4h55
